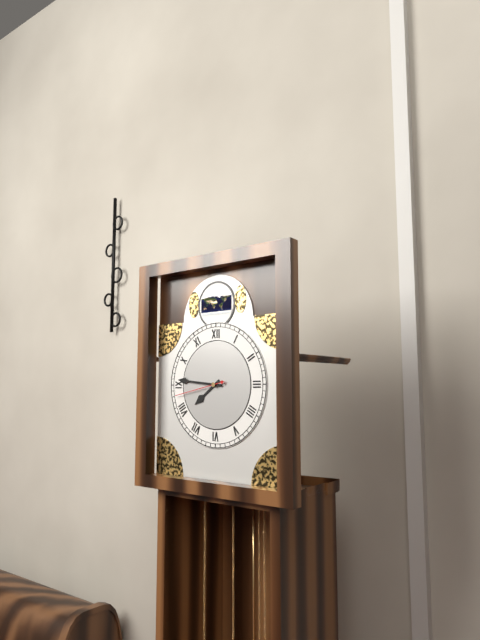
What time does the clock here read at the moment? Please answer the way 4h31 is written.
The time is 7h46
